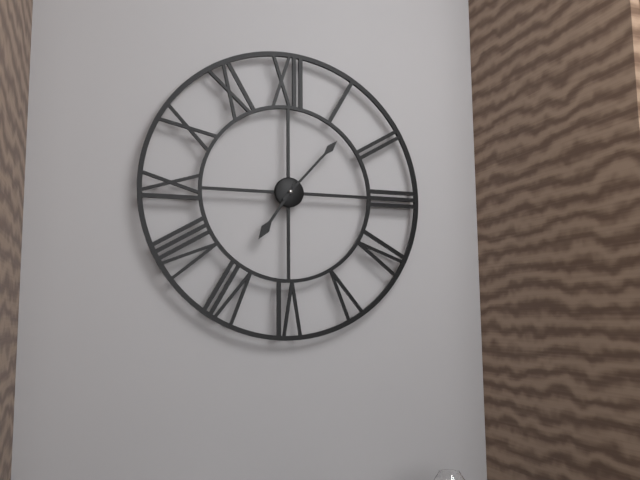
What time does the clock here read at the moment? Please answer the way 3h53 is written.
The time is 7h07
